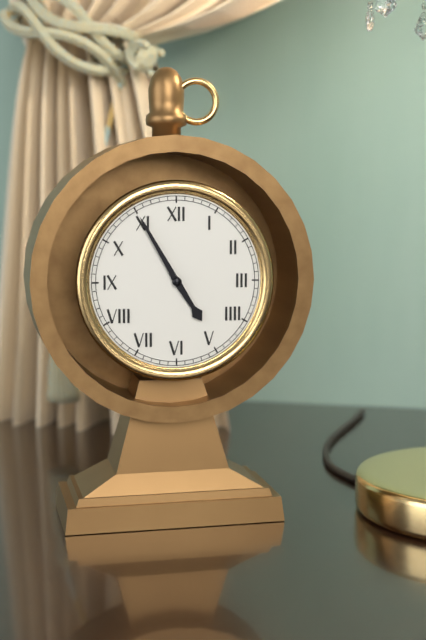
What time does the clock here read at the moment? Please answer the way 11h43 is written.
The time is 4h55
